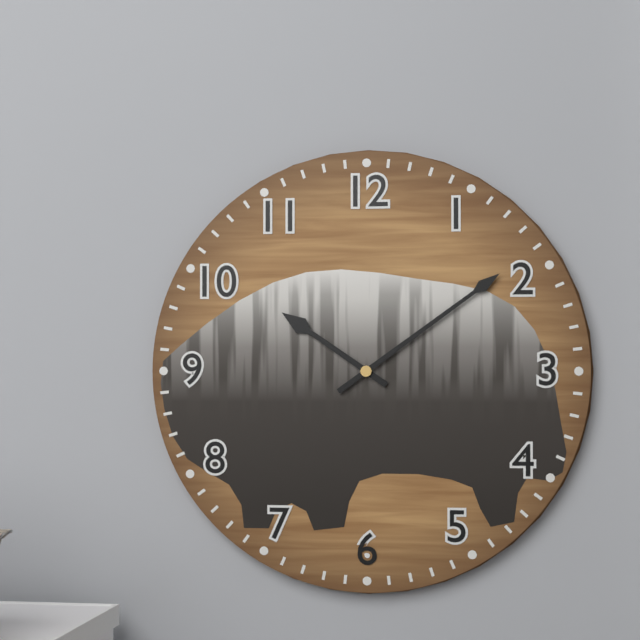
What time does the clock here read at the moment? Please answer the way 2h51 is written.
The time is 10h09
